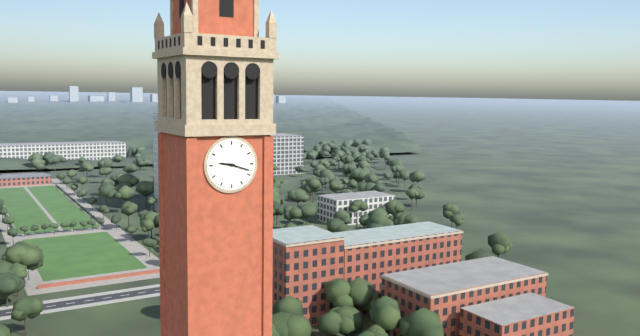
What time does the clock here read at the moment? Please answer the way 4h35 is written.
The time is 9h18
